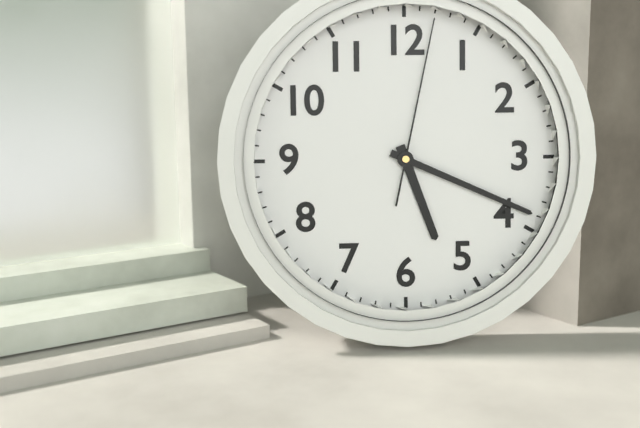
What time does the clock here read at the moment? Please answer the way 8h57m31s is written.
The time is 5h19m02s
